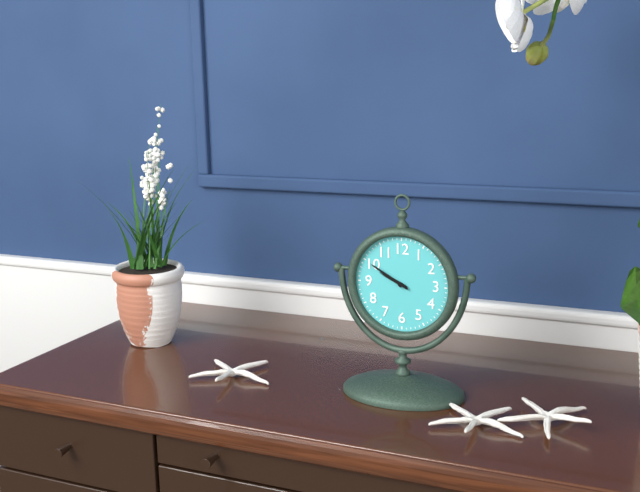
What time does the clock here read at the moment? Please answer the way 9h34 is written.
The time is 9h50
